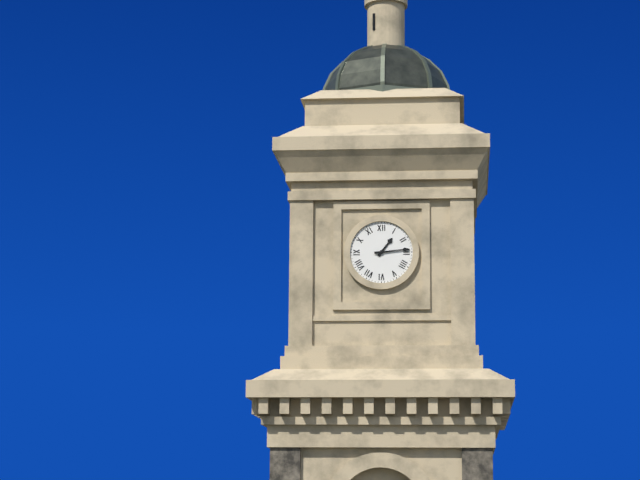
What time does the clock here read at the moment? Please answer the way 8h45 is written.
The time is 1h14
